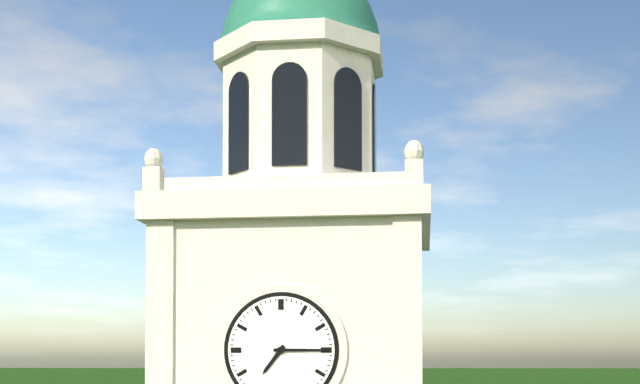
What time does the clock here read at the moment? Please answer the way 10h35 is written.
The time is 7h15
